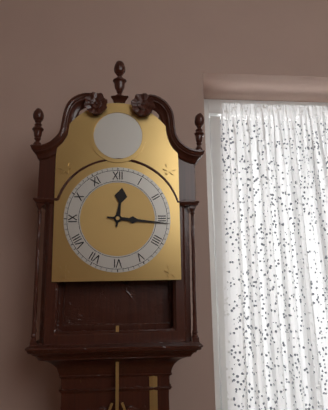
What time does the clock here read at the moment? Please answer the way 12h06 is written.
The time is 12h16
